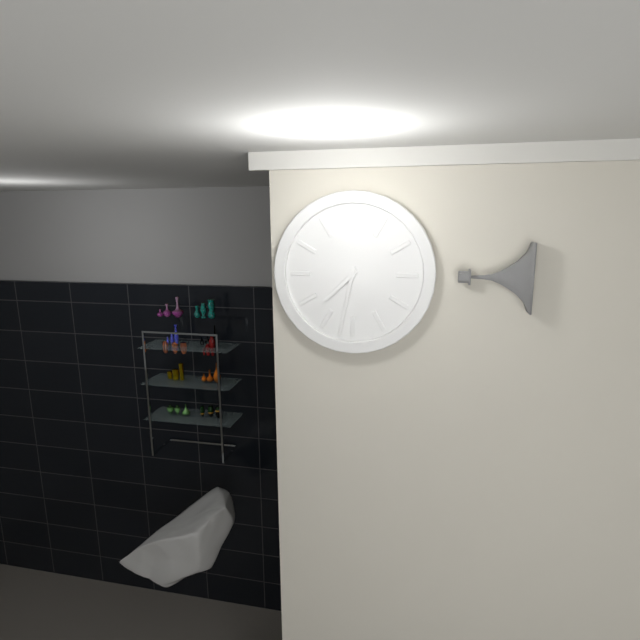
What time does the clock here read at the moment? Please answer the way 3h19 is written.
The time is 7h32
